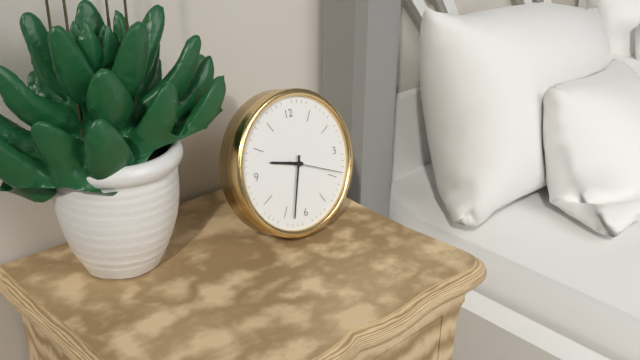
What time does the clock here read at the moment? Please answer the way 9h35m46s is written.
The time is 9h33m19s
